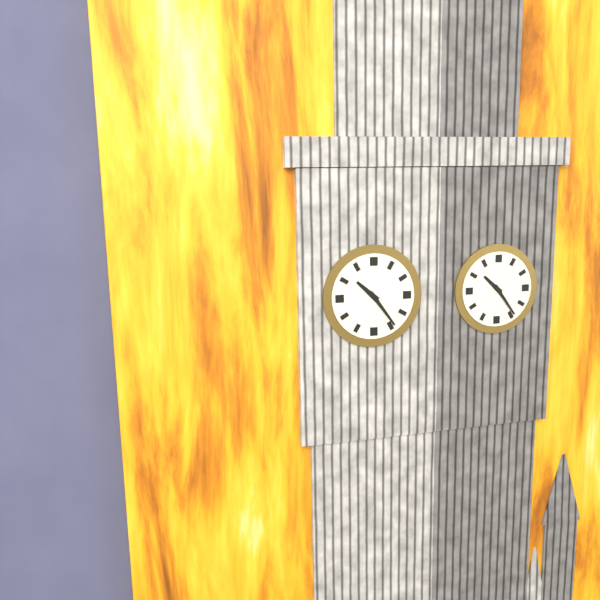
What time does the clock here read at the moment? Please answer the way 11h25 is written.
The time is 10h24
